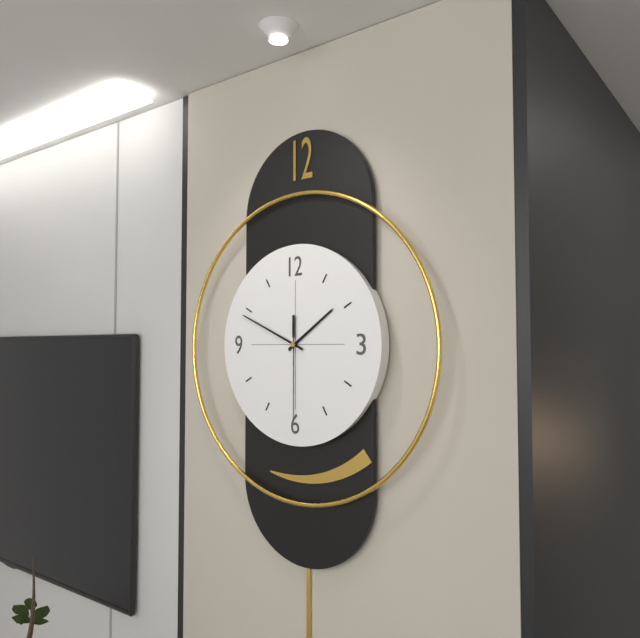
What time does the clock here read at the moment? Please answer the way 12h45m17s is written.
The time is 1h49m30s
